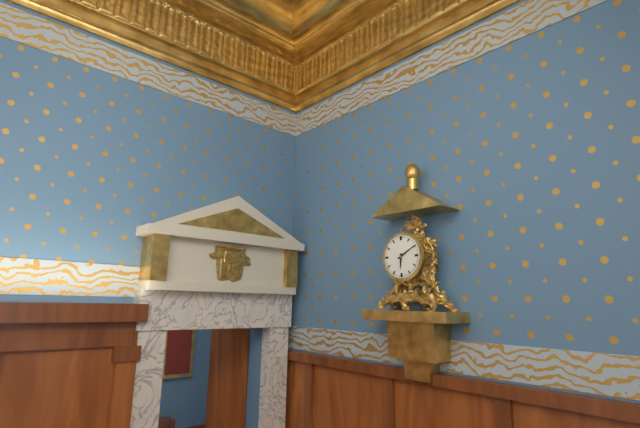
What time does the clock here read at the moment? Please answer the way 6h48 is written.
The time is 6h10
